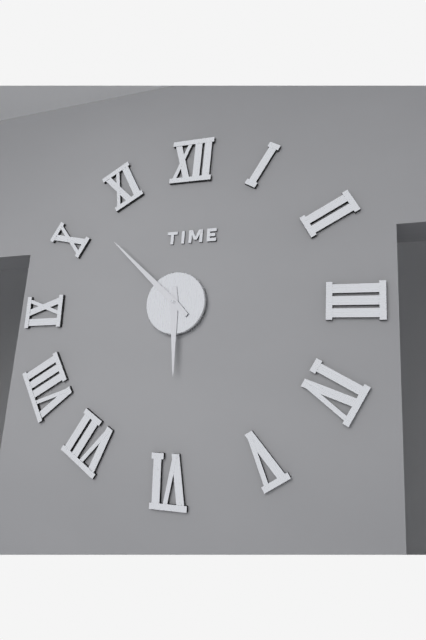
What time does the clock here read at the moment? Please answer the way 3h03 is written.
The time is 5h52
